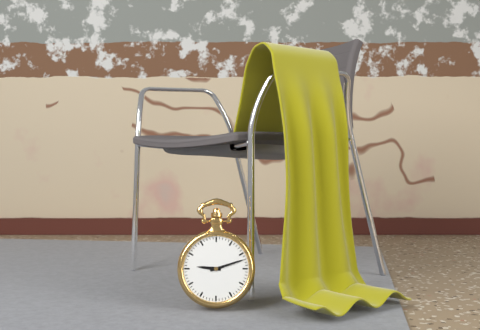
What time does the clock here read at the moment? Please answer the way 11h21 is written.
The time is 9h12
